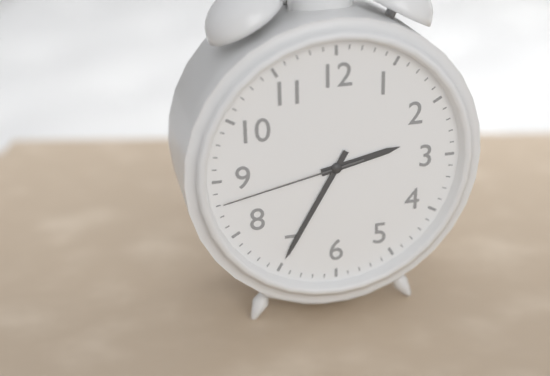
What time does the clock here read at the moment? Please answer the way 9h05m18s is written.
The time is 2h35m43s
